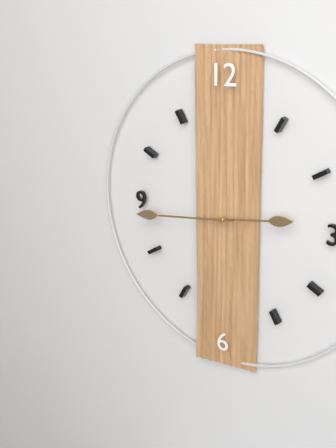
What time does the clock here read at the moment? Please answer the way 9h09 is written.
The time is 2h44
